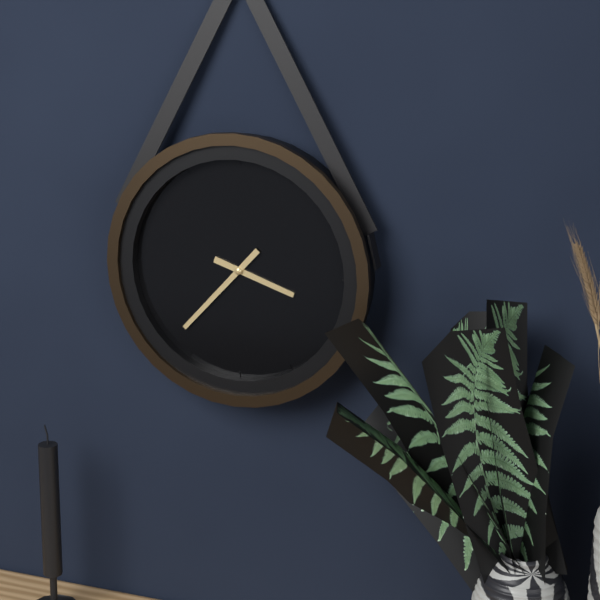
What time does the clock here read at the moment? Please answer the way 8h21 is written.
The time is 3h37
